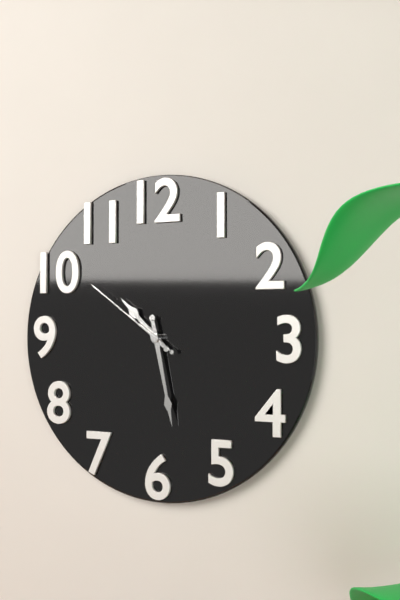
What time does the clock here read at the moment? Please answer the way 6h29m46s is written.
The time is 10h28m51s
